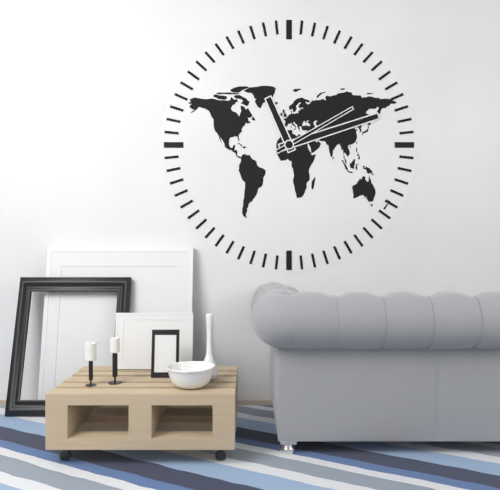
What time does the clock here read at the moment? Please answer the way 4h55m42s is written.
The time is 11h12m10s
